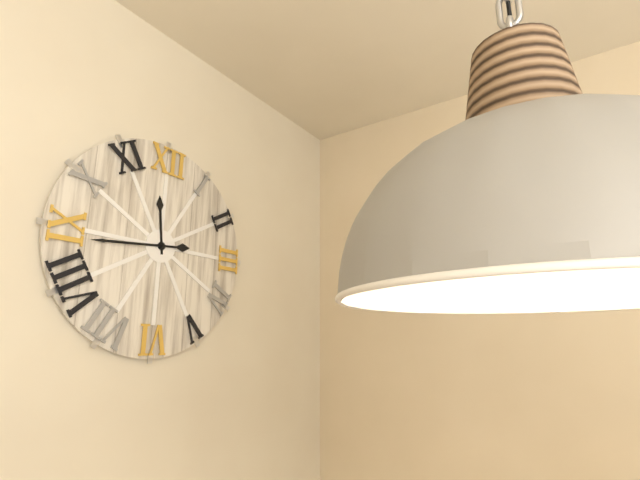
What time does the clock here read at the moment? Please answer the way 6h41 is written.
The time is 11h44
